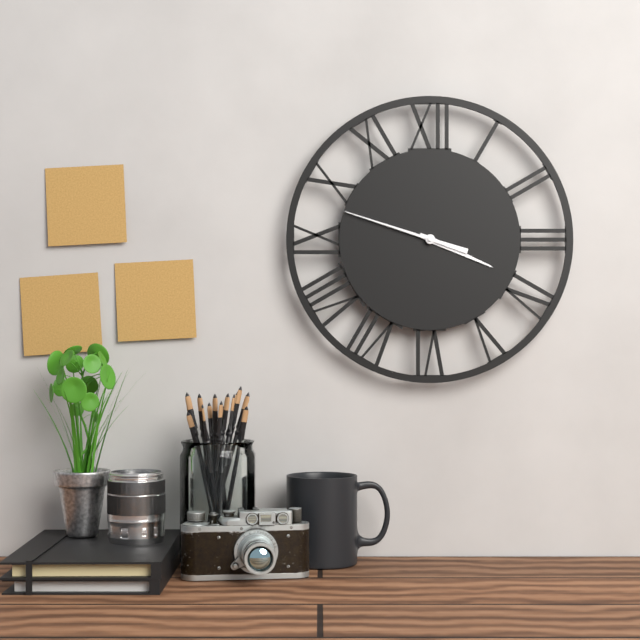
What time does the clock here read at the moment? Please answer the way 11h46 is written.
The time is 3h48
